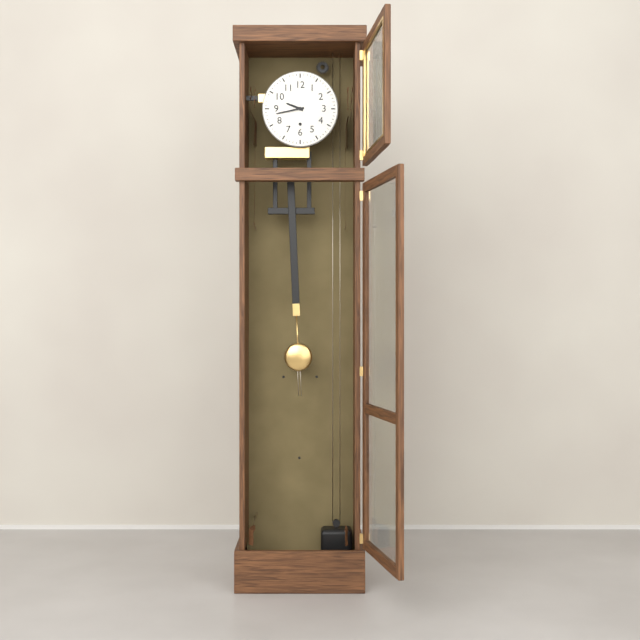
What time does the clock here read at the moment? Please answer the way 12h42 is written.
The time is 9h43
